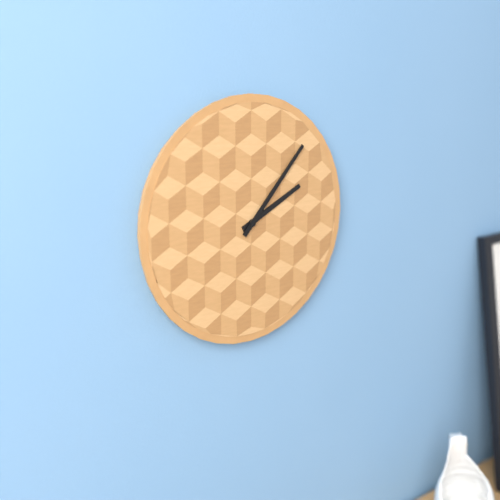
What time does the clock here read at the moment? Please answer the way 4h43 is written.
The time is 2h07
